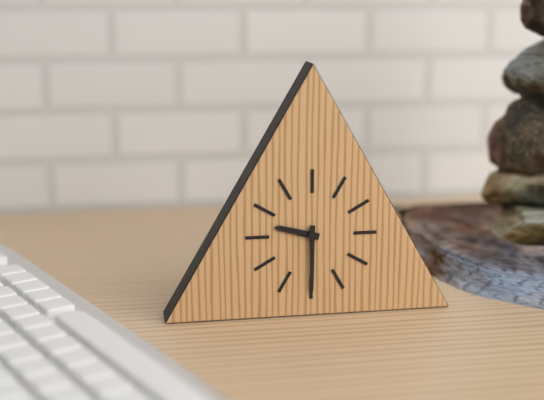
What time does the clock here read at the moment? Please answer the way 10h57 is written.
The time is 9h30
